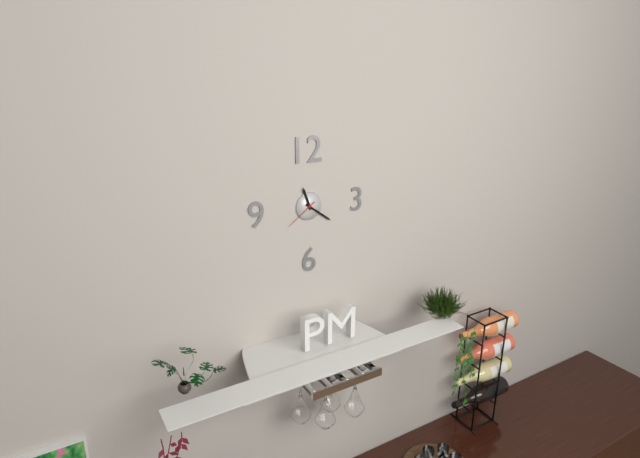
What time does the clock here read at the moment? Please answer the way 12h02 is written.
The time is 11h21
